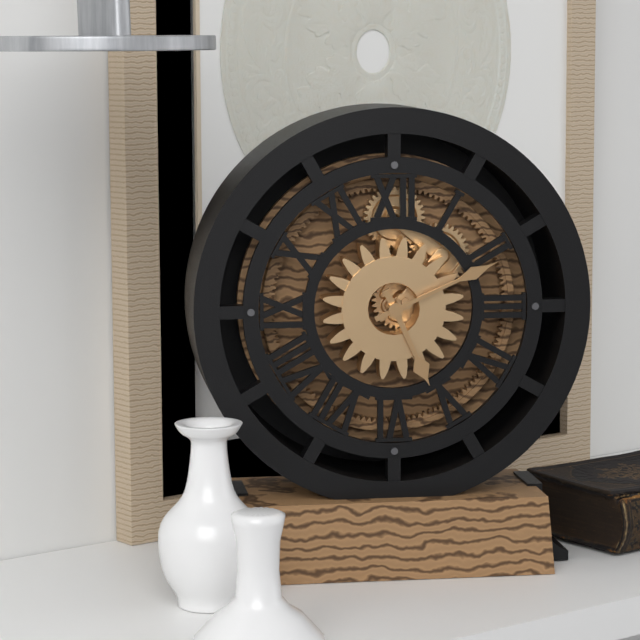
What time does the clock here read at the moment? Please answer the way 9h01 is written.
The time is 5h11
